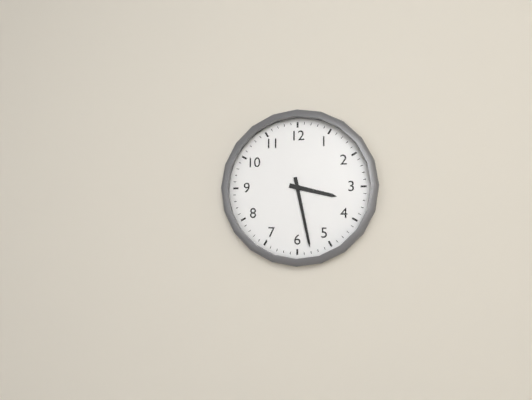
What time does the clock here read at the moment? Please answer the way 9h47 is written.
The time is 3h28
